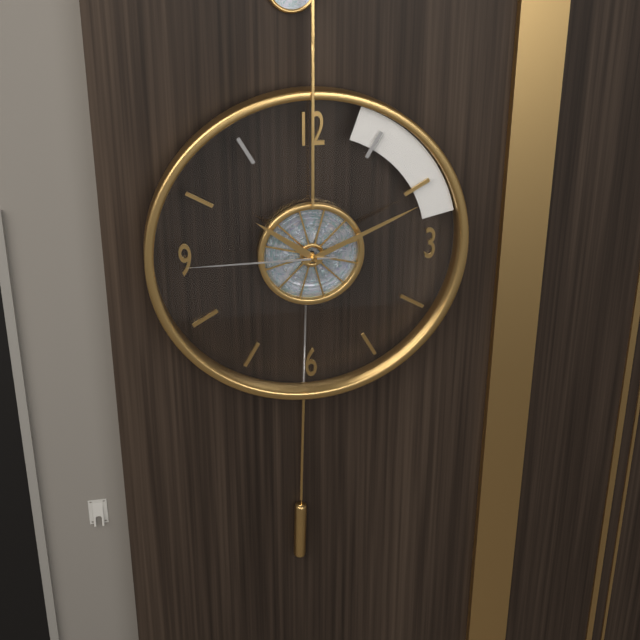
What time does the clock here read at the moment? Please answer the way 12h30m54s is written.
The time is 10h11m45s
